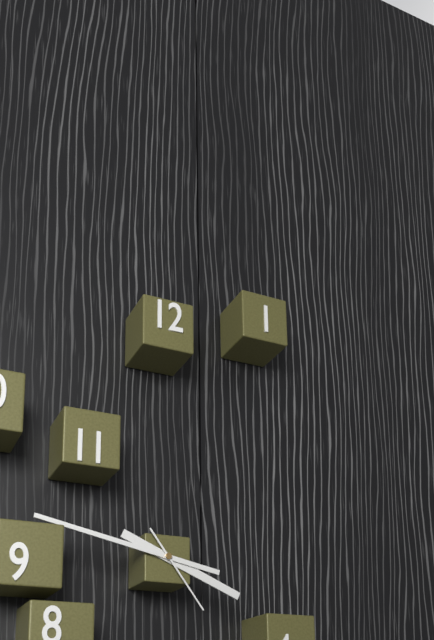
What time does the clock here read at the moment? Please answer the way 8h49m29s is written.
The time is 3h47m24s
